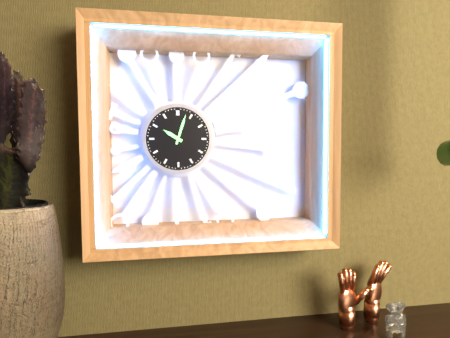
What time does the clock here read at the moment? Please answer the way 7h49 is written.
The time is 10h03
